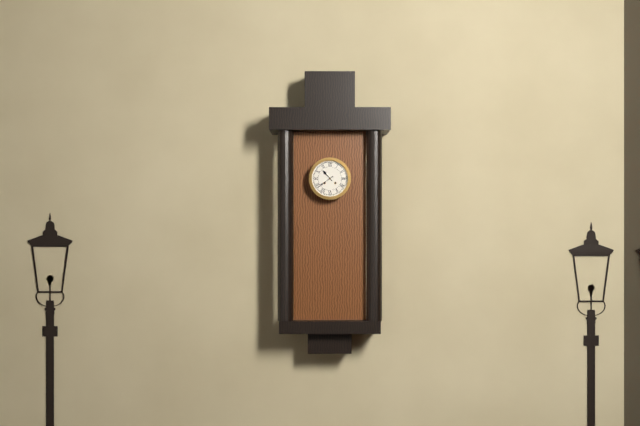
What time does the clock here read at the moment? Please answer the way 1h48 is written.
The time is 10h39
